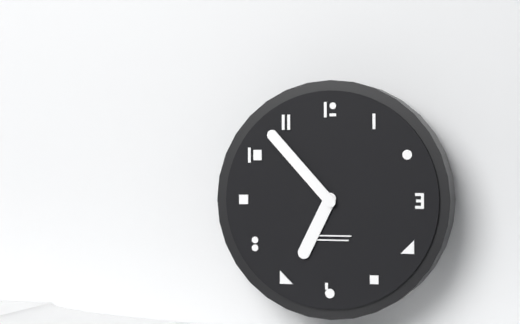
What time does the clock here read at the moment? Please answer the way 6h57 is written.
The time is 6h53
